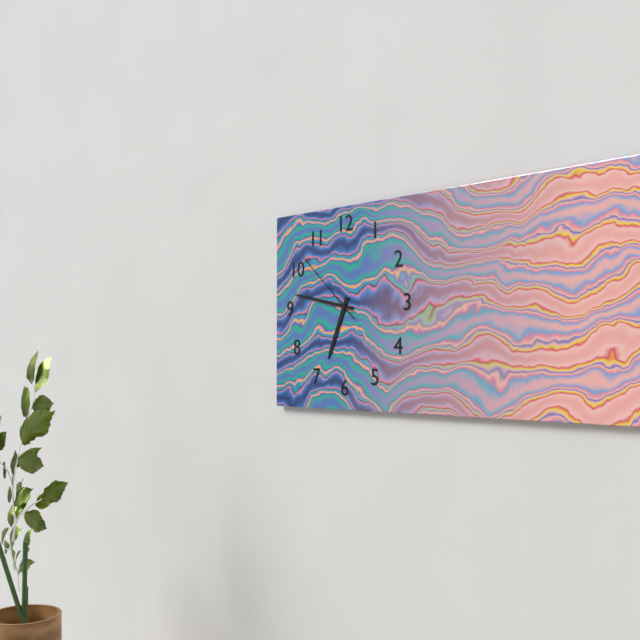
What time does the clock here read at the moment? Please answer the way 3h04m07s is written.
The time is 6h47m52s
